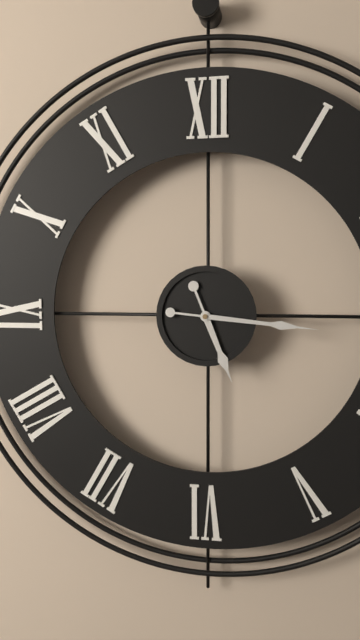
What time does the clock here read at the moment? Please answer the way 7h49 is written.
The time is 5h16
